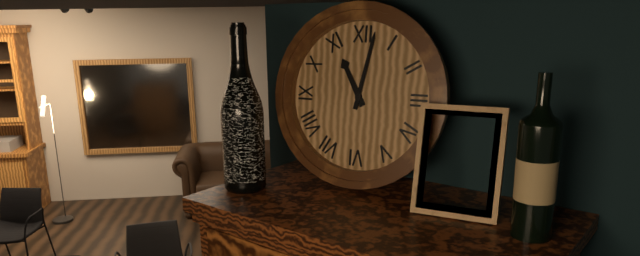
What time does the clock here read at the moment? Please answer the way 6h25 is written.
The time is 11h02
